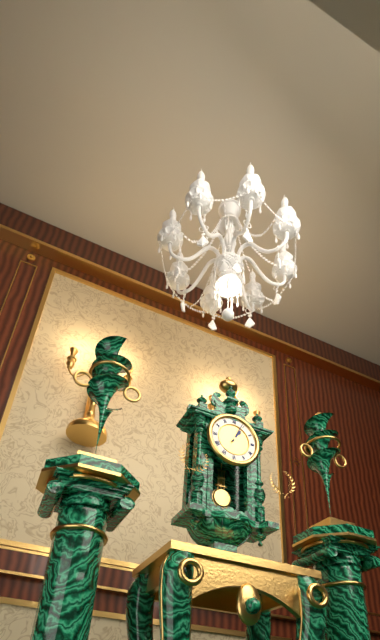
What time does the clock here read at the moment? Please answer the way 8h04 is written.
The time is 1h04
